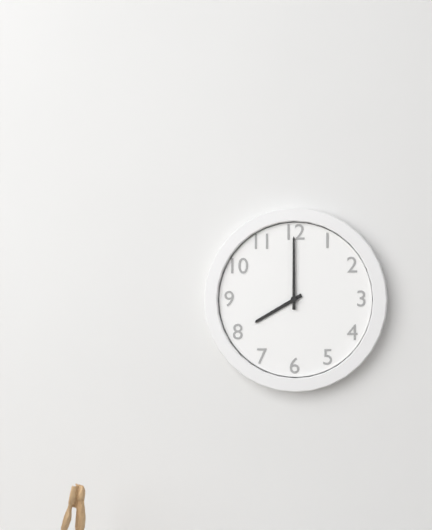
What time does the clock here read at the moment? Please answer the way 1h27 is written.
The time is 8h00
